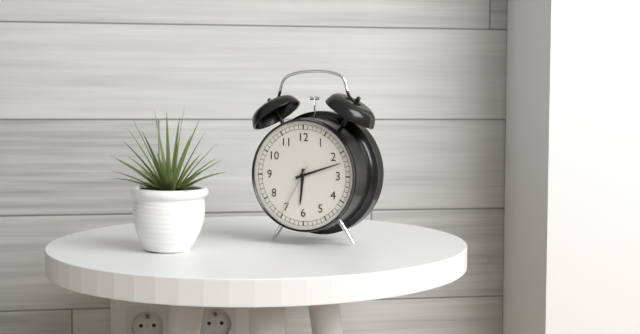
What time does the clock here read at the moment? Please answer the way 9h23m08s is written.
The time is 6h12m35s
